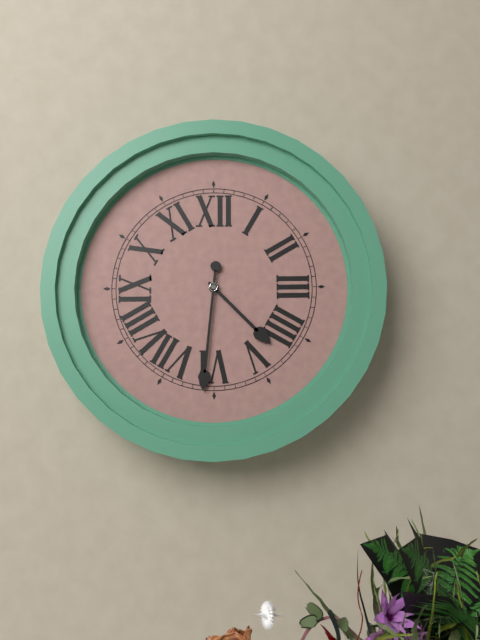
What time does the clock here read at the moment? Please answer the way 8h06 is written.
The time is 4h31
